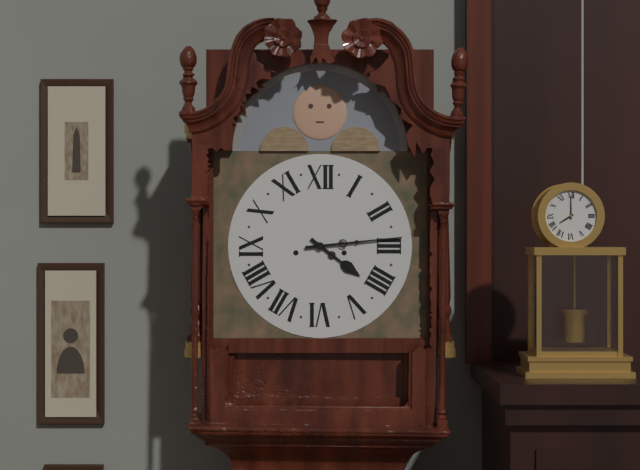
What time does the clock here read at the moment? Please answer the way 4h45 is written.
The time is 4h14
